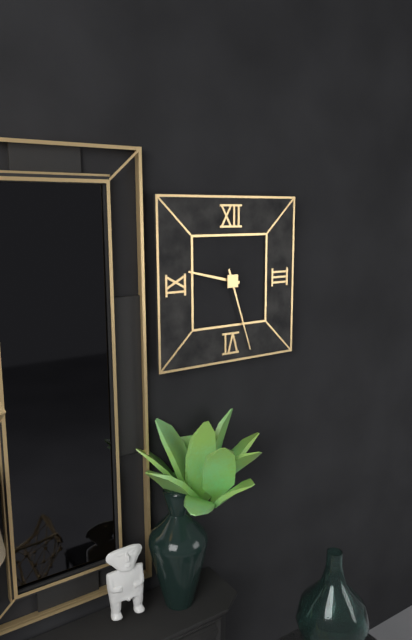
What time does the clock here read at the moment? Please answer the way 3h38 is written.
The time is 9h27
